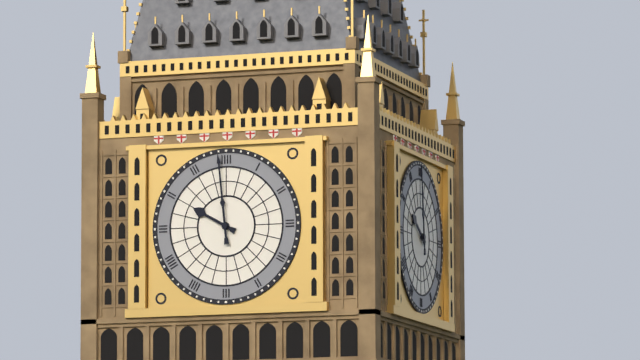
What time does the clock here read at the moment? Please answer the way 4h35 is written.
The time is 9h59
